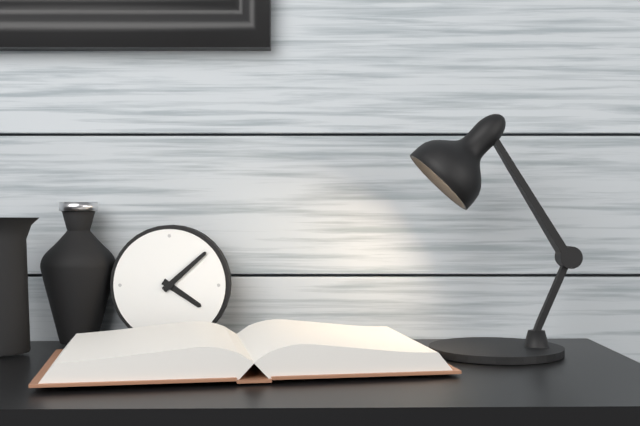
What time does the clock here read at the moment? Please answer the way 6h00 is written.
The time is 4h08
